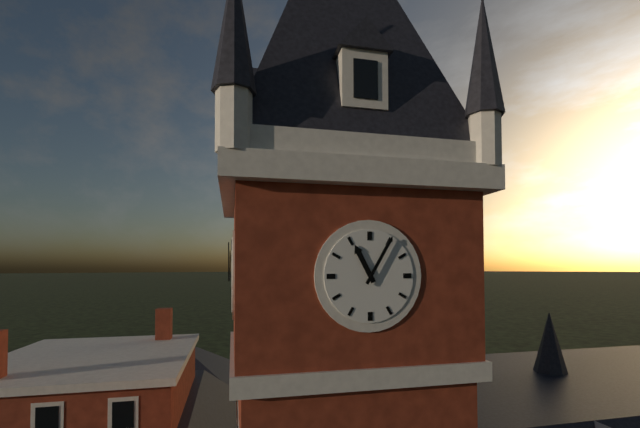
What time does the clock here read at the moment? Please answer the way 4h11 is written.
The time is 11h05
